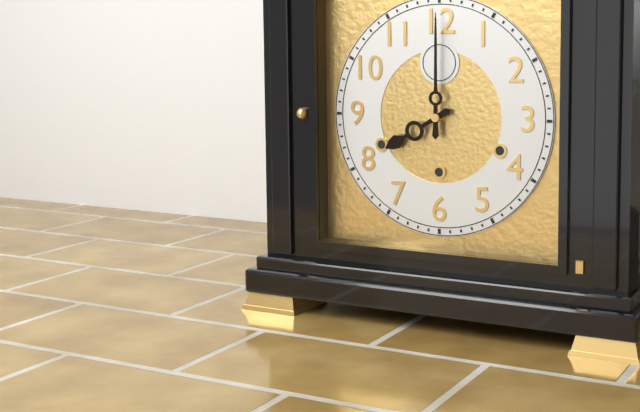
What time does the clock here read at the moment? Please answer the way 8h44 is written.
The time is 8h00
